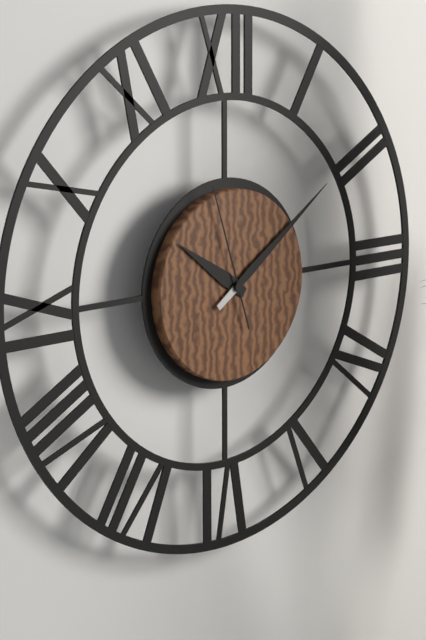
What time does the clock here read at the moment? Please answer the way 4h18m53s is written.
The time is 10h09m57s
